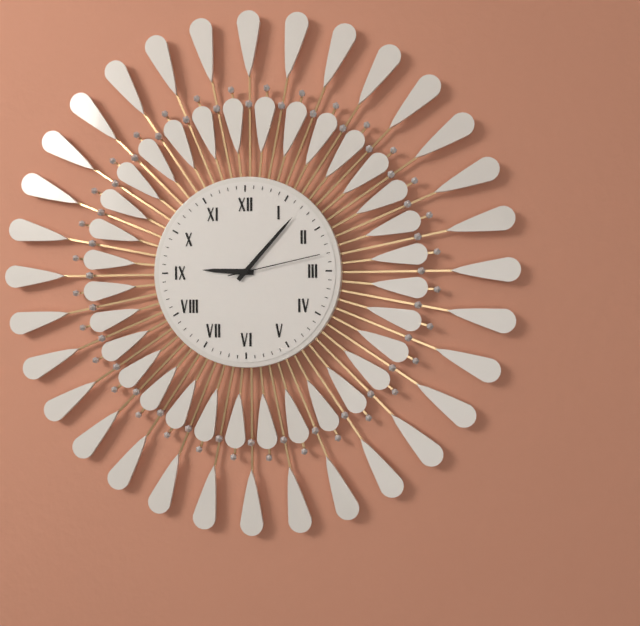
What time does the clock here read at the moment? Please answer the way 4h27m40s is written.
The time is 9h07m13s
